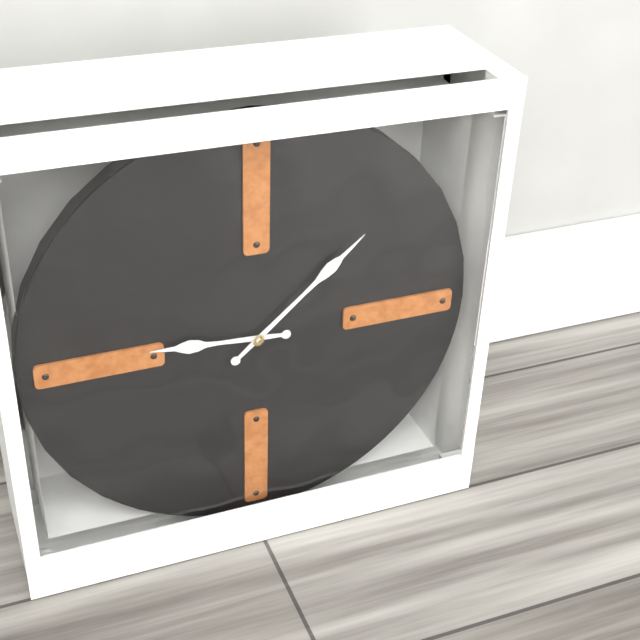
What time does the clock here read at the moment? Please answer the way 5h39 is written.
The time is 9h08
